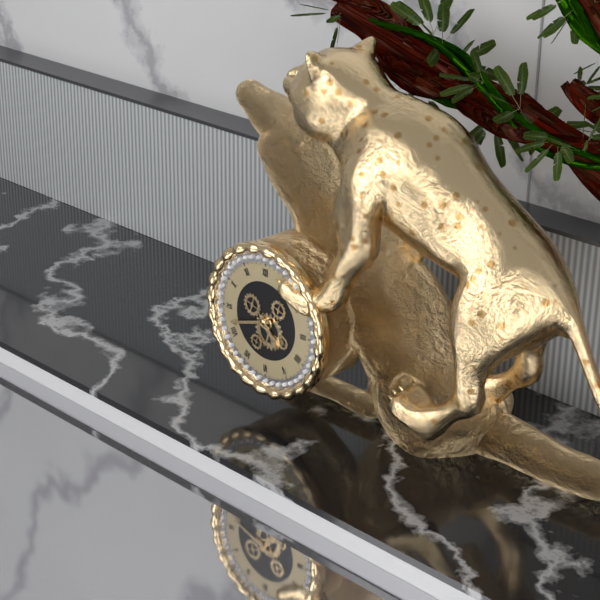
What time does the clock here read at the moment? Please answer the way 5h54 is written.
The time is 4h42
